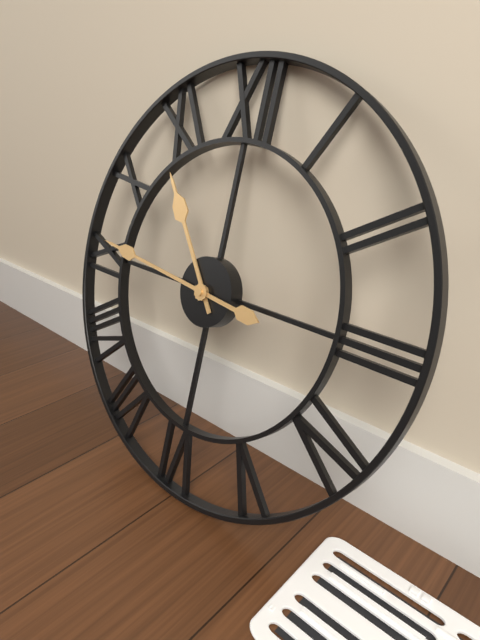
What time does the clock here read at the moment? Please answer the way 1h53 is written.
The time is 10h46
